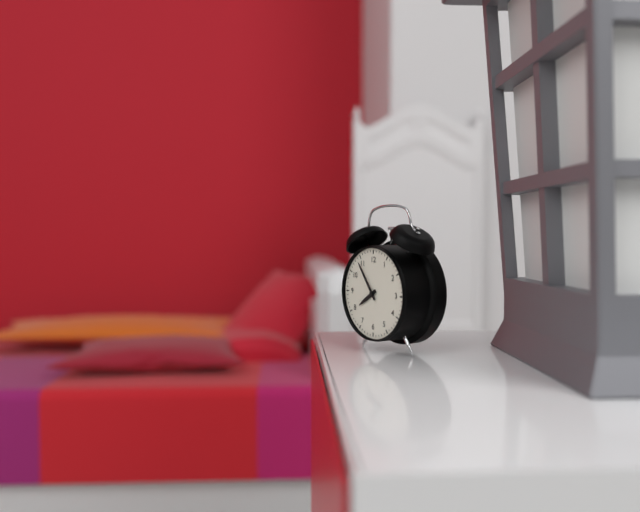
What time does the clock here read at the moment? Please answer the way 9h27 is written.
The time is 7h54
